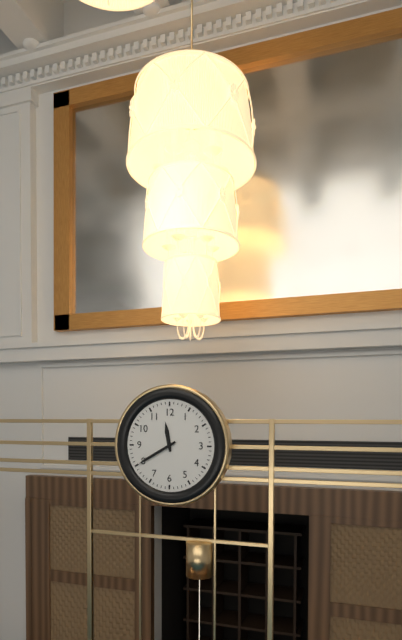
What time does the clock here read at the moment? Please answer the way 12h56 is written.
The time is 11h40
